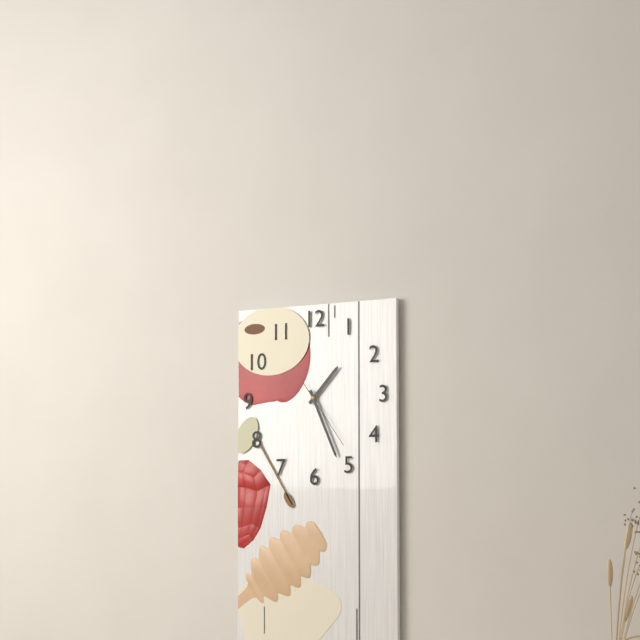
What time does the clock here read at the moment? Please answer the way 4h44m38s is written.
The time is 1h26m24s
